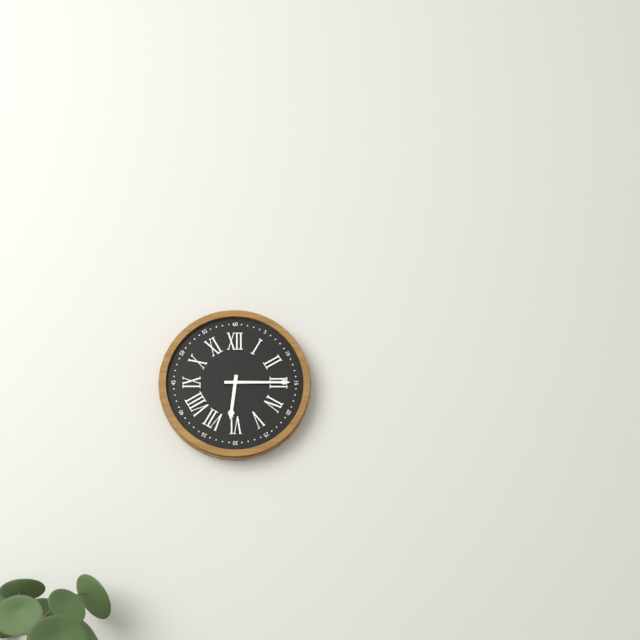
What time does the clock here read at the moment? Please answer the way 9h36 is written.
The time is 6h15
